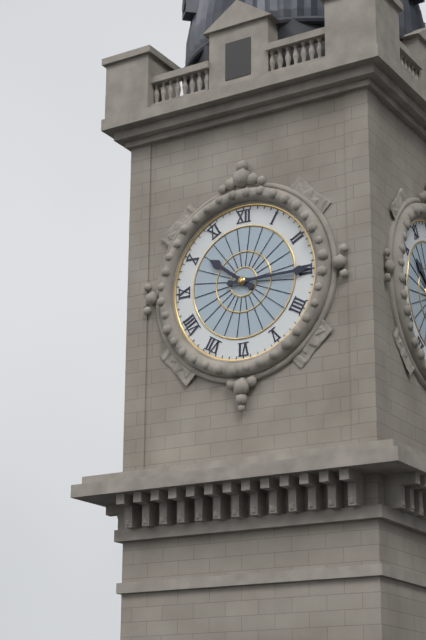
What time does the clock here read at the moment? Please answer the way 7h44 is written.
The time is 10h15
